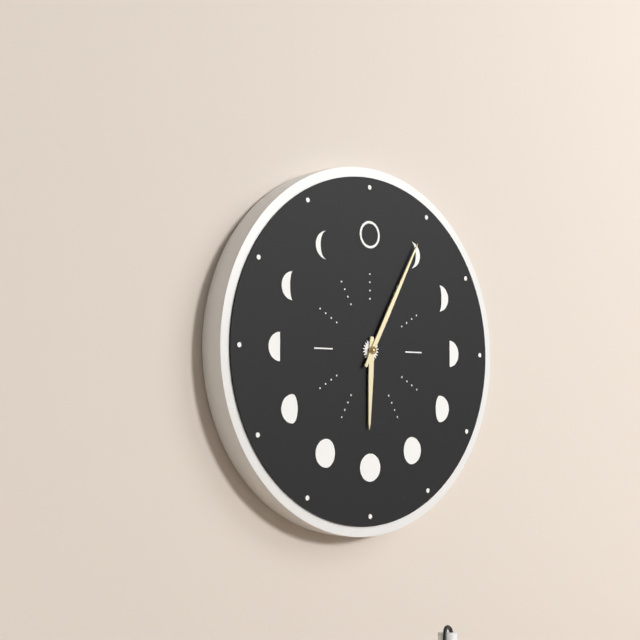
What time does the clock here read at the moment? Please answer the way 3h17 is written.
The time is 6h05
